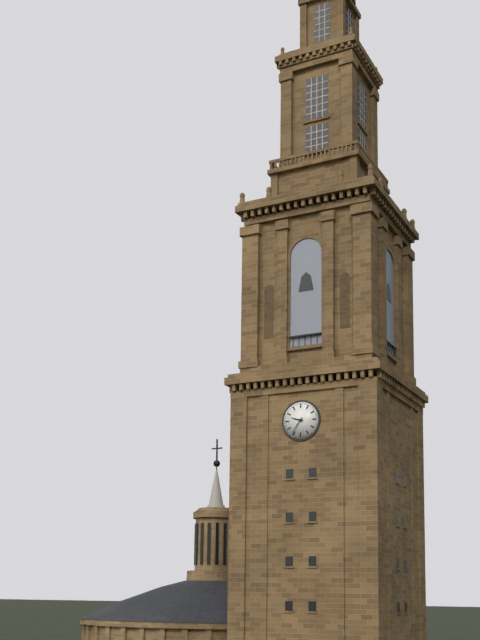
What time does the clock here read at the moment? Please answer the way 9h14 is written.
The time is 9h36
